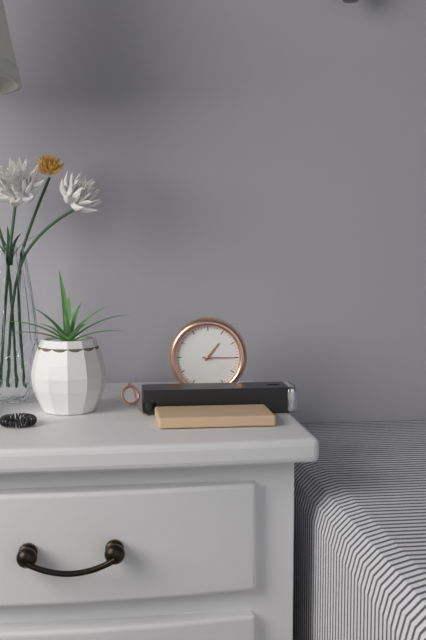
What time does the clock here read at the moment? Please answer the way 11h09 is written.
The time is 1h15
